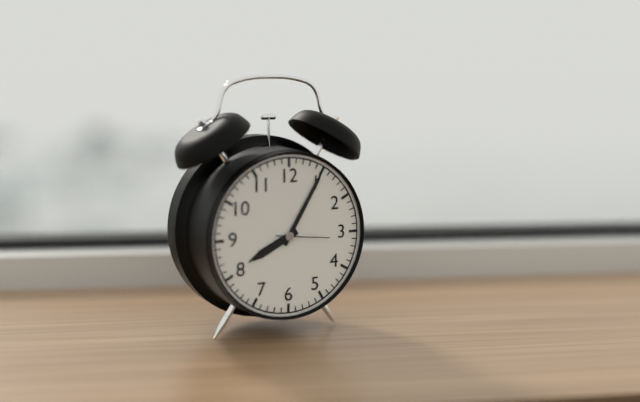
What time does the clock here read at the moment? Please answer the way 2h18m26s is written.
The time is 8h05m16s
